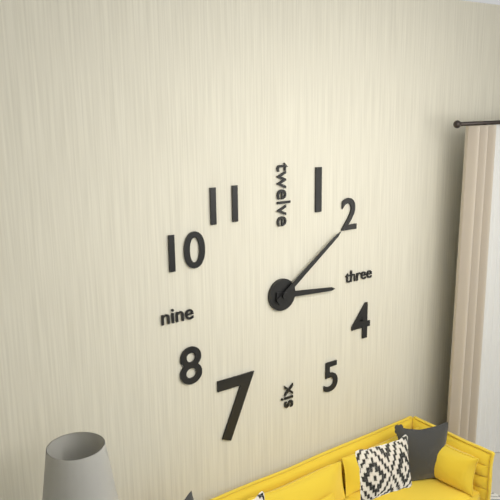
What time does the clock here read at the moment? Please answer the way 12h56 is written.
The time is 3h09
